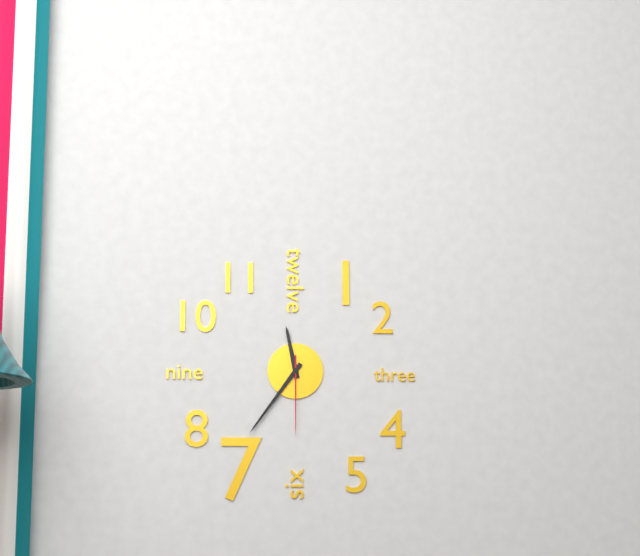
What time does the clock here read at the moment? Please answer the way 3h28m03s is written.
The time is 11h36m30s
